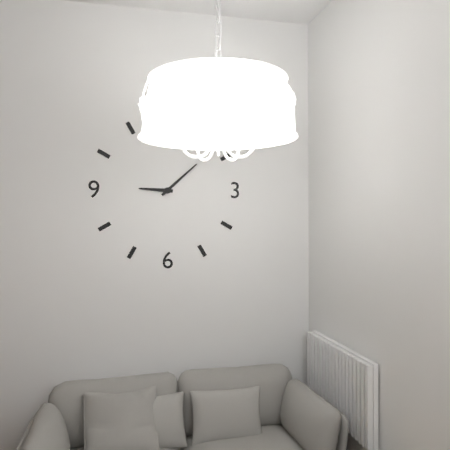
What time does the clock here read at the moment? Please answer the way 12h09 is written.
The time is 9h08
